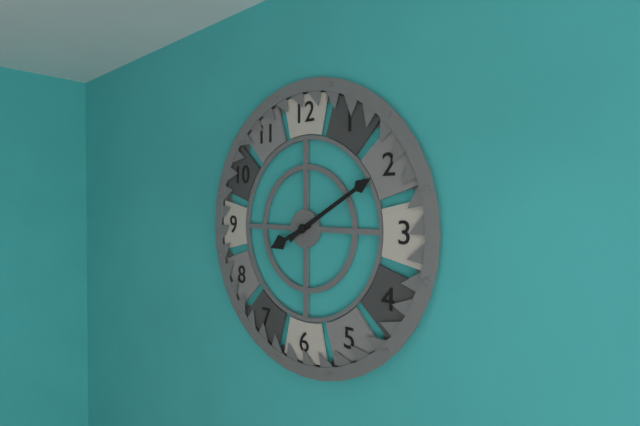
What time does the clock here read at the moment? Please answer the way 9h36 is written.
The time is 8h10
